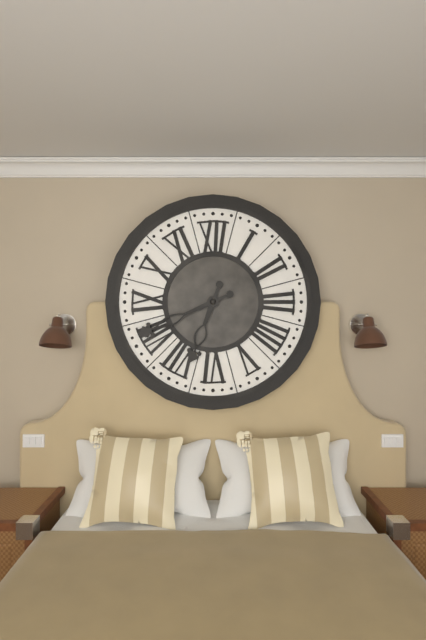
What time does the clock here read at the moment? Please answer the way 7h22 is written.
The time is 6h41
